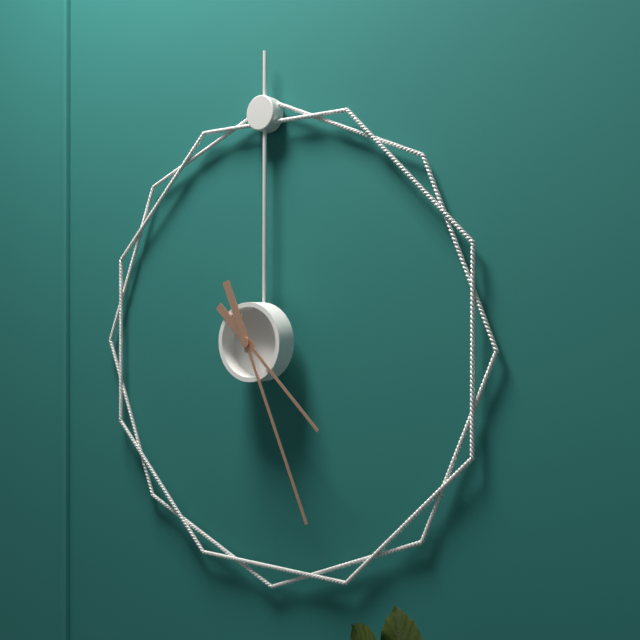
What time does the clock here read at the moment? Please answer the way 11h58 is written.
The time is 4h26
